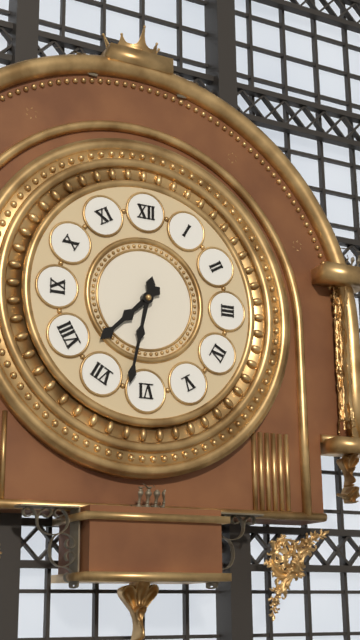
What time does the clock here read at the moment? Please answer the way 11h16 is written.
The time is 7h32
